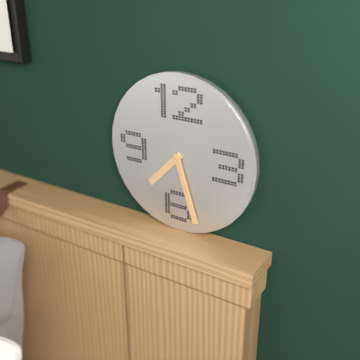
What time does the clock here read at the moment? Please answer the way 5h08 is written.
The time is 7h27
